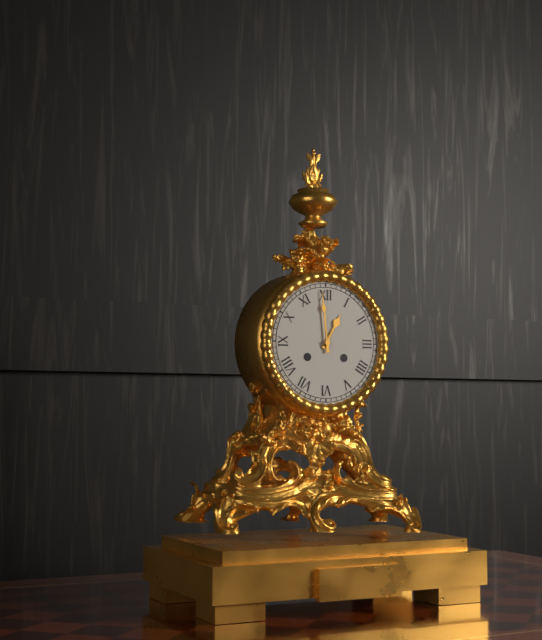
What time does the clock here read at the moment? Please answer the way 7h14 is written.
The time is 12h59
